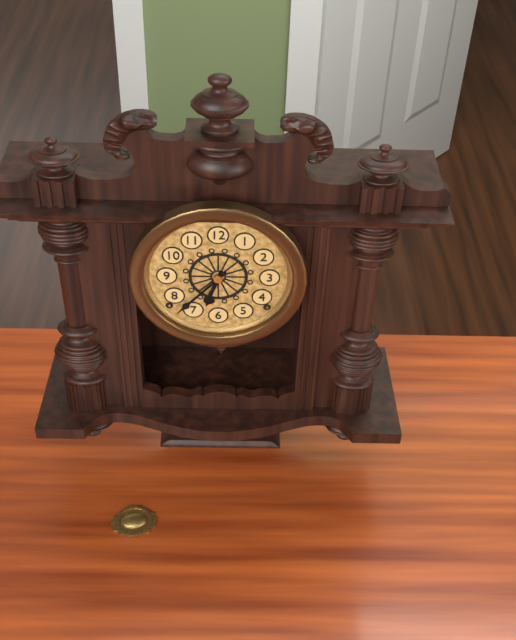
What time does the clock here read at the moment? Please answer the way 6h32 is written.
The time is 6h37
